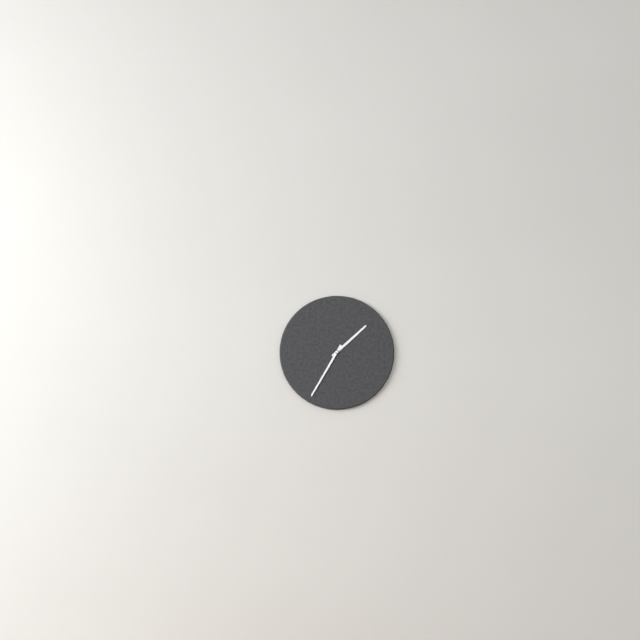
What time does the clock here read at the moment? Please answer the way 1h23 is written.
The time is 1h35
